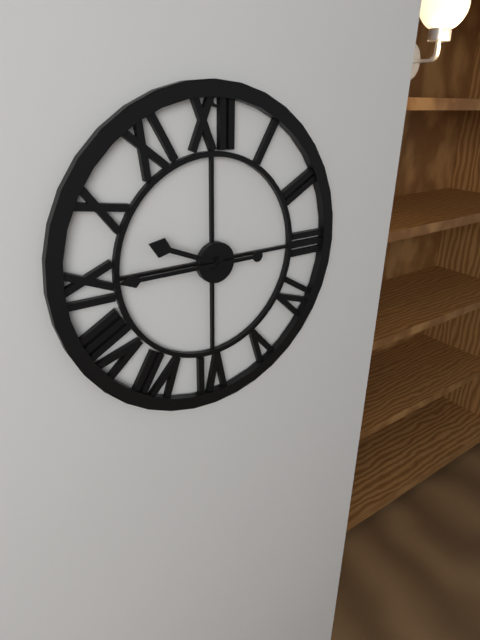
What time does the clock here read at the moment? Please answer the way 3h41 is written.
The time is 9h45
